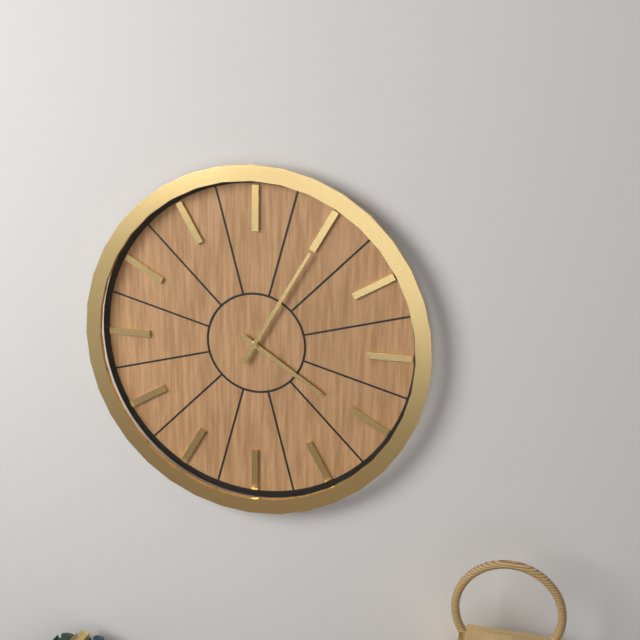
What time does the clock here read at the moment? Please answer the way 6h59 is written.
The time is 4h05
